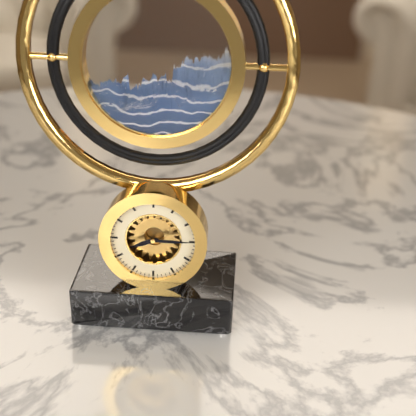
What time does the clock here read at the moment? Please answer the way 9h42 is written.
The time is 8h15
